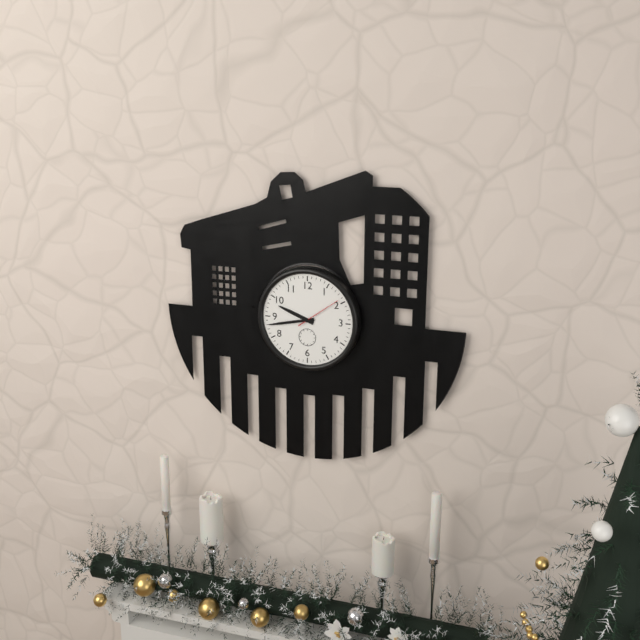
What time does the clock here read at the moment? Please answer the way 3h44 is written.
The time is 9h43
